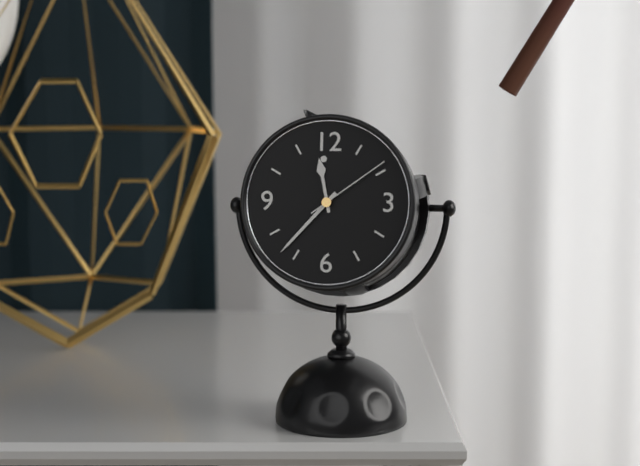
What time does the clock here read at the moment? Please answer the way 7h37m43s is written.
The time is 11h37m09s
